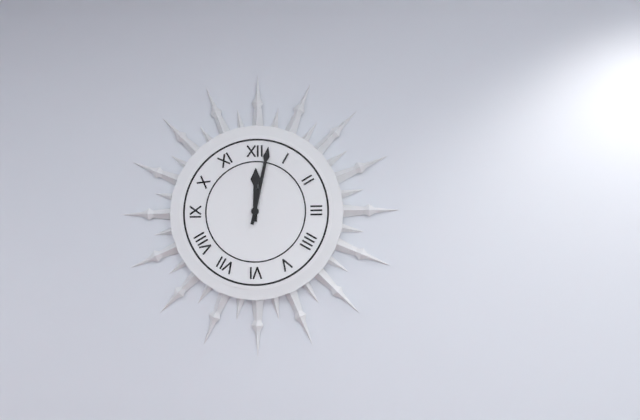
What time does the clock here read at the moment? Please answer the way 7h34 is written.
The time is 12h02
